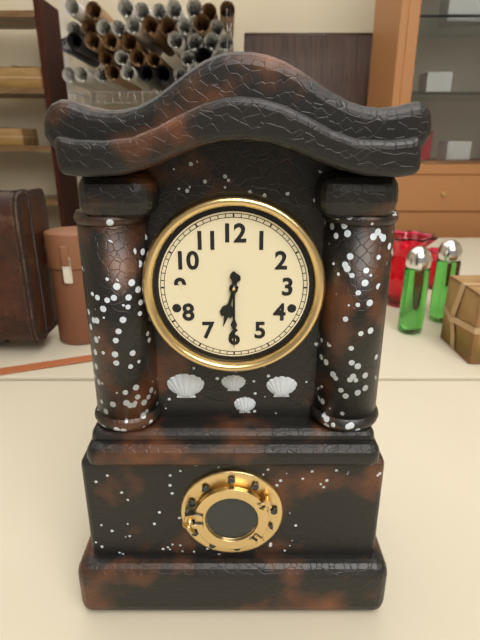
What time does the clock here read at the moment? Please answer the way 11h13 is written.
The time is 6h30
